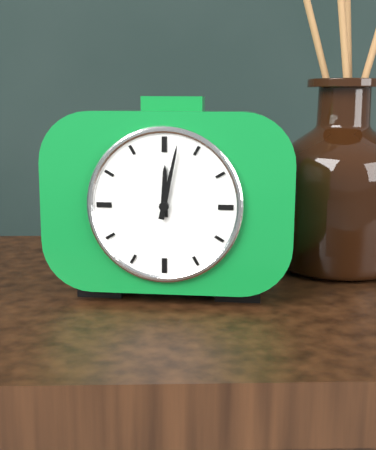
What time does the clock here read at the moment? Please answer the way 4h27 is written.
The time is 12h02
